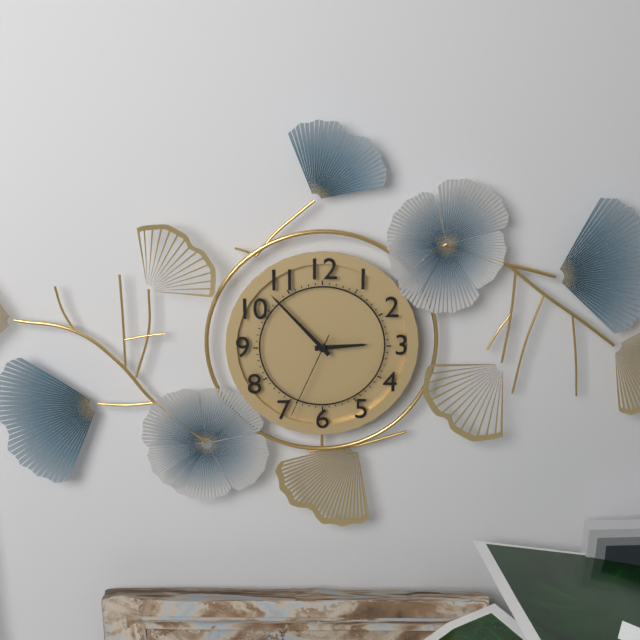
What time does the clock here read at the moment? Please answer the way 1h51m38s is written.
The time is 2h53m34s
